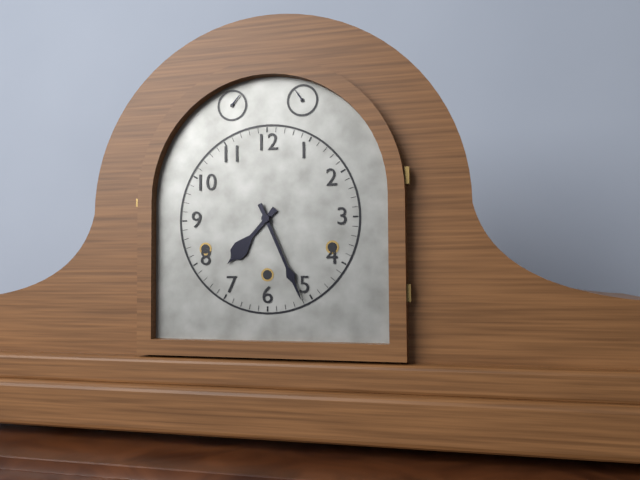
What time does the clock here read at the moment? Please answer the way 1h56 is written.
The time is 7h26
